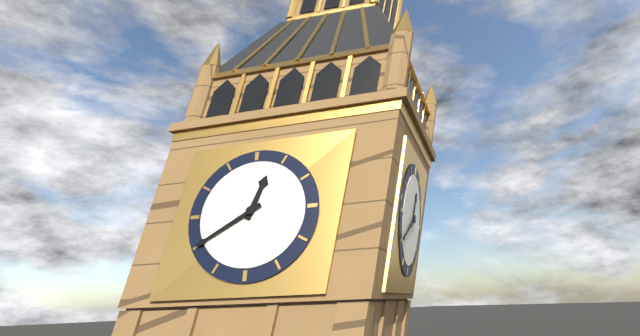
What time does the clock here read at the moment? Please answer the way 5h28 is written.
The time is 12h40
